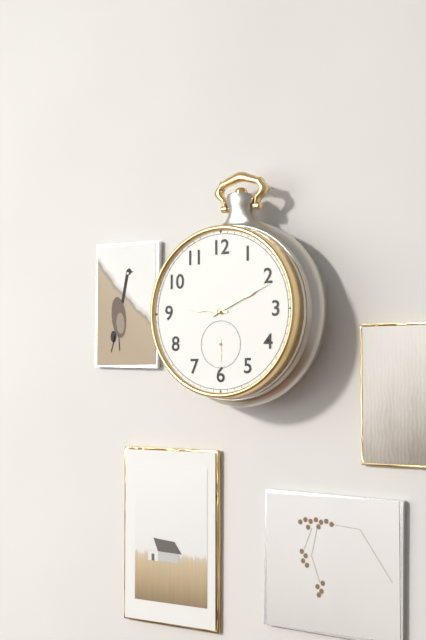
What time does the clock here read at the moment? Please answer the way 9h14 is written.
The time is 9h11
